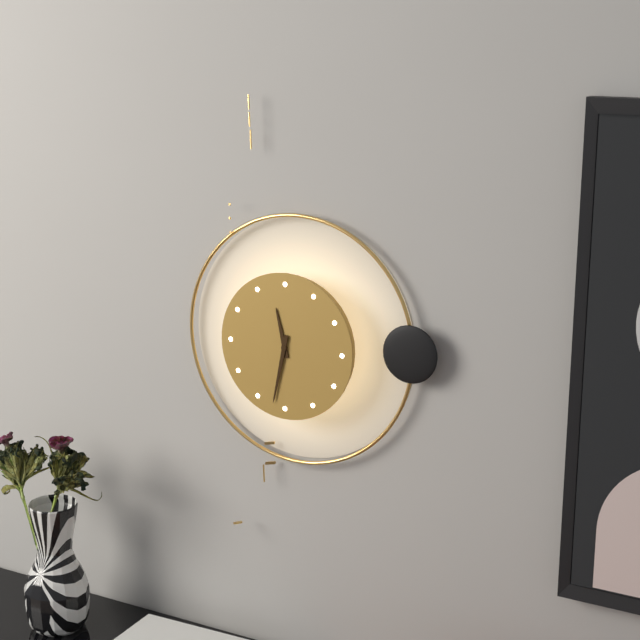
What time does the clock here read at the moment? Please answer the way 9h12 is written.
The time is 11h32
